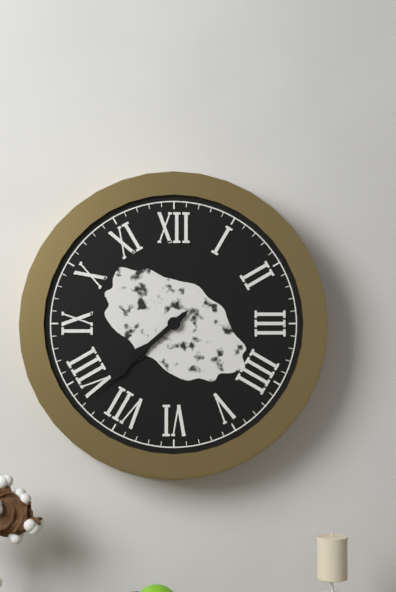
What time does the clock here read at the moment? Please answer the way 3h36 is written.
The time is 7h38
